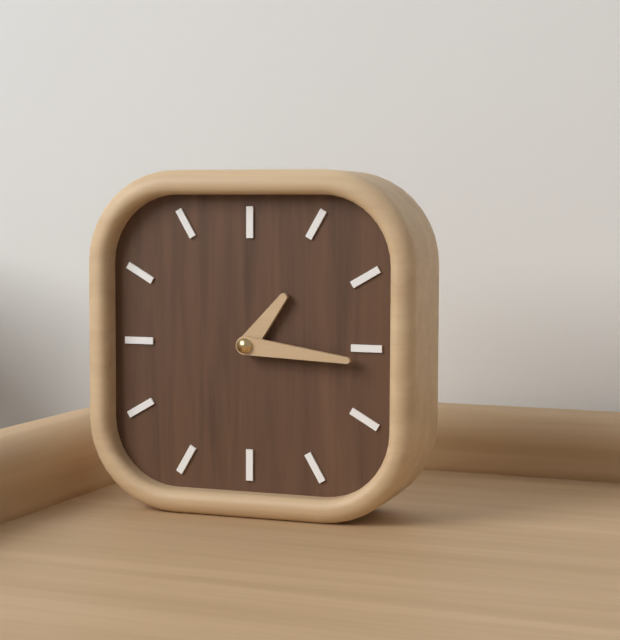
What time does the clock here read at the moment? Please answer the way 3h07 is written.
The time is 1h16
